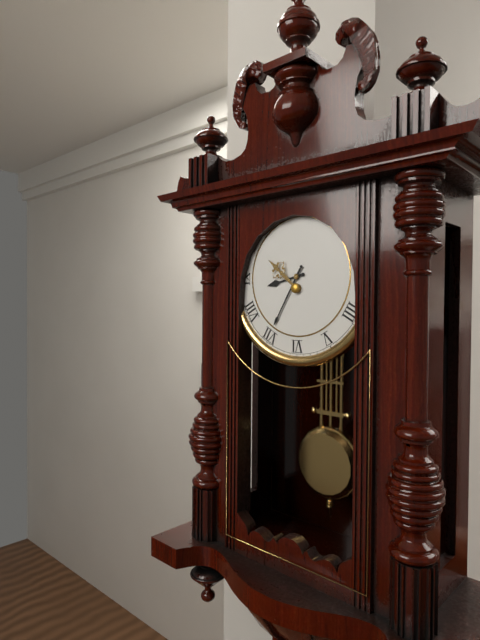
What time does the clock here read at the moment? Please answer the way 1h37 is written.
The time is 8h35
